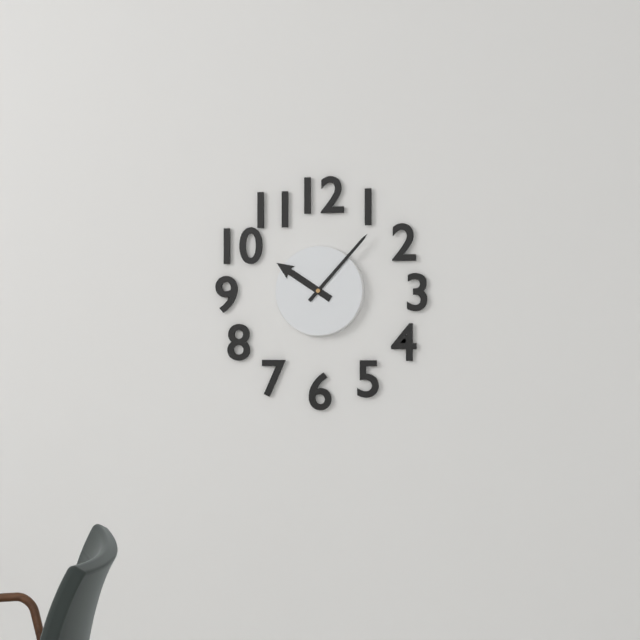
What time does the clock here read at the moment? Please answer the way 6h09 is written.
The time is 10h07
